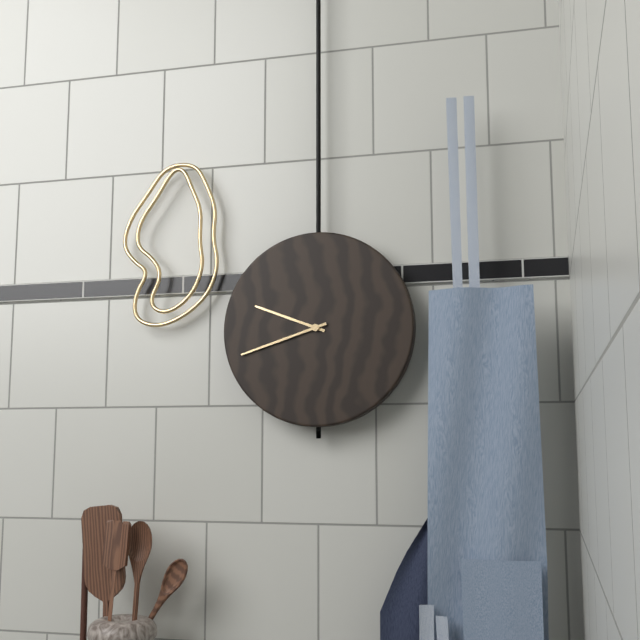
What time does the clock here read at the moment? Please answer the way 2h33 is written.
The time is 9h42
